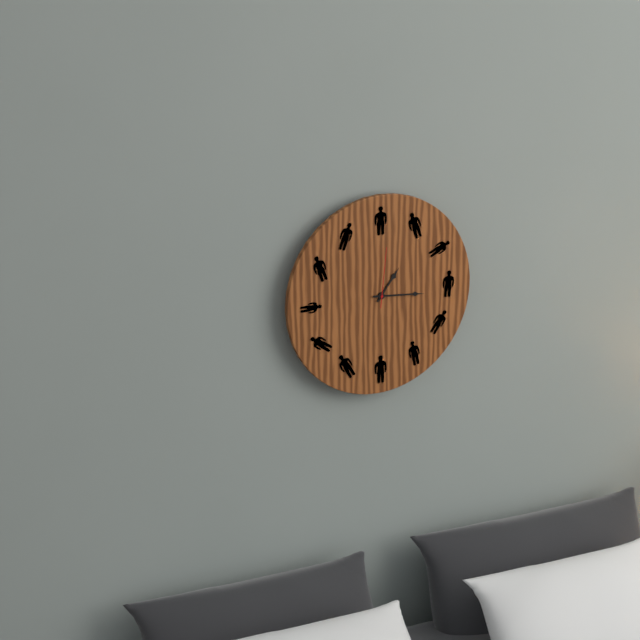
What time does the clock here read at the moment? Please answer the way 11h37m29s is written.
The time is 1h16m01s
